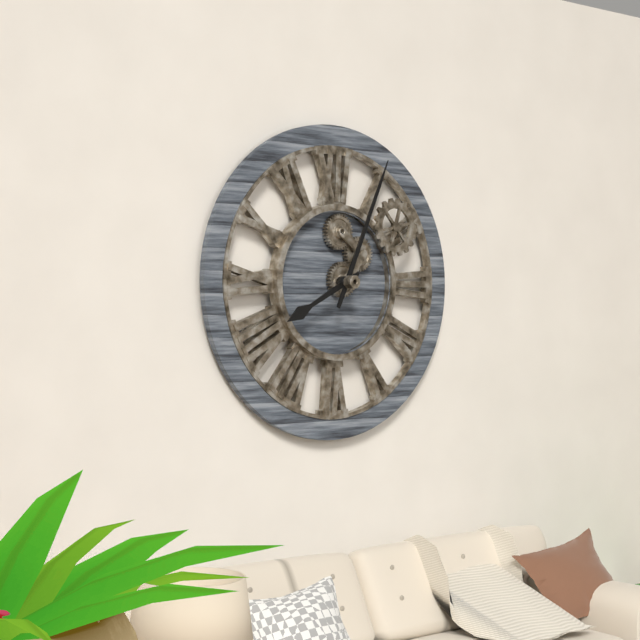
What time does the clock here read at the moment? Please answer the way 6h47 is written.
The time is 8h04
